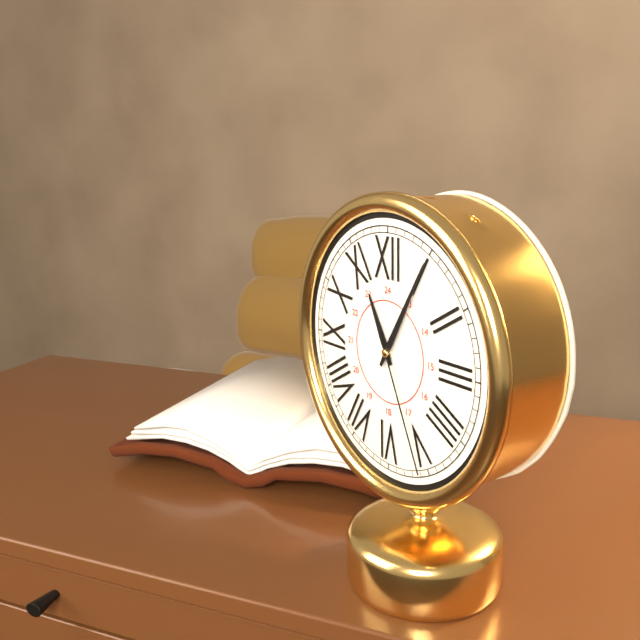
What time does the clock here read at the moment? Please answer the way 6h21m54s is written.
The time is 11h05m26s
